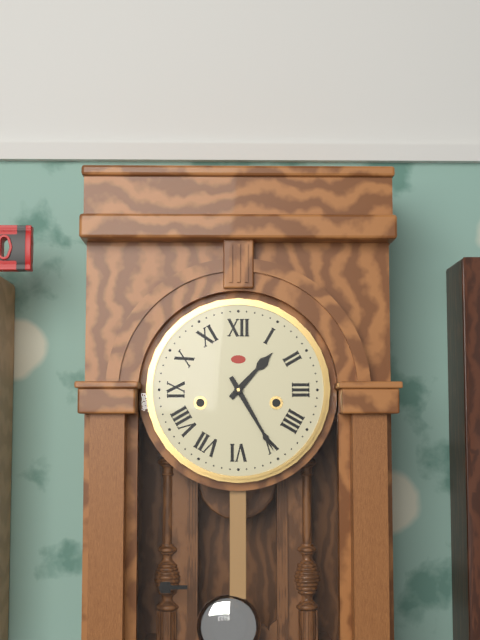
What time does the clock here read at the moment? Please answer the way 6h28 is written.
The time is 1h25
